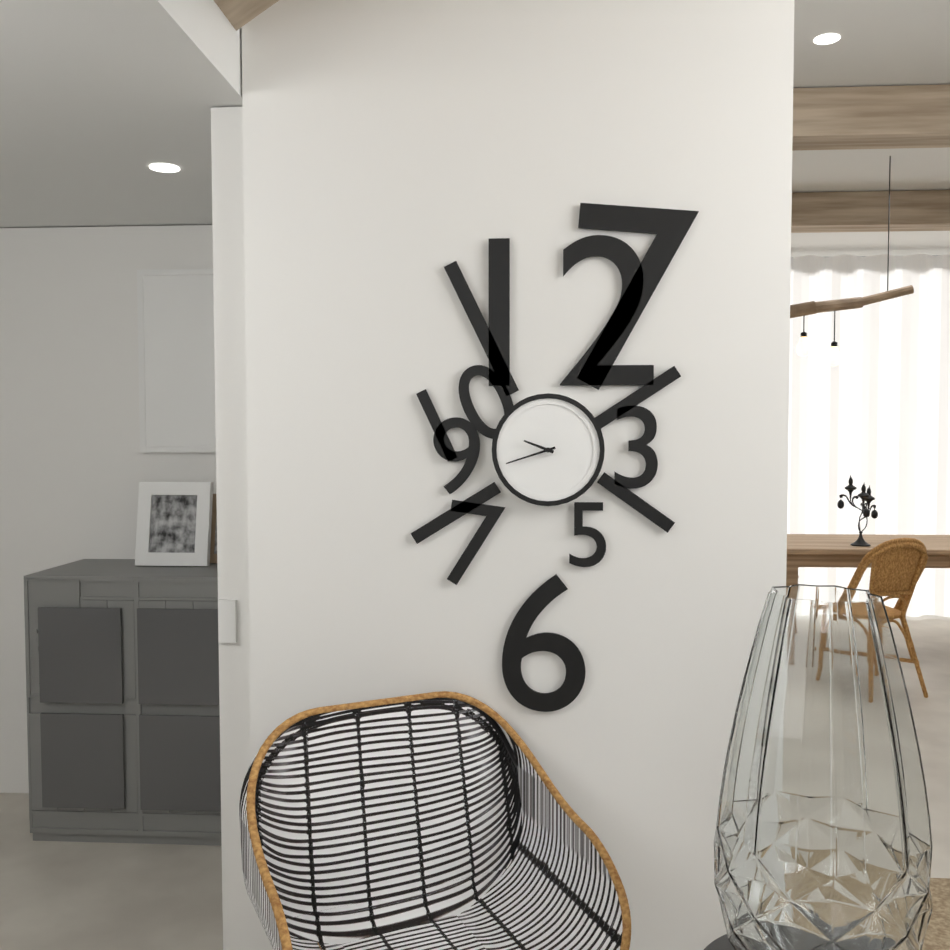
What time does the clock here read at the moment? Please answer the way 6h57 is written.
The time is 9h42
